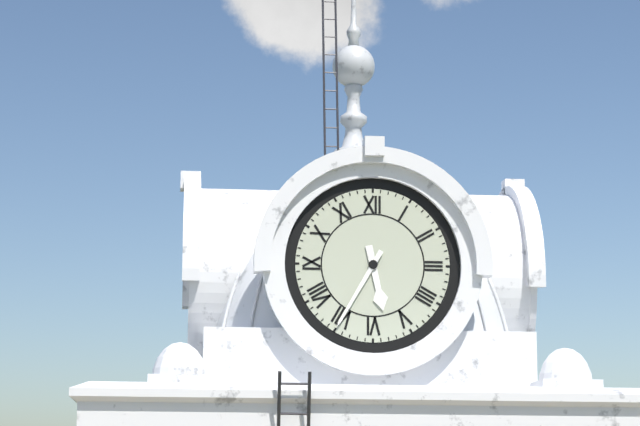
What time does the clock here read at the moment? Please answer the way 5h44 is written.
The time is 5h35
